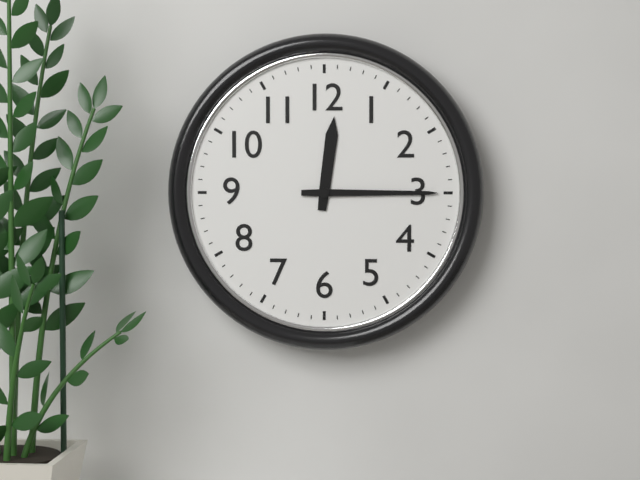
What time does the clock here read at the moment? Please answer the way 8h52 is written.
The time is 12h15
